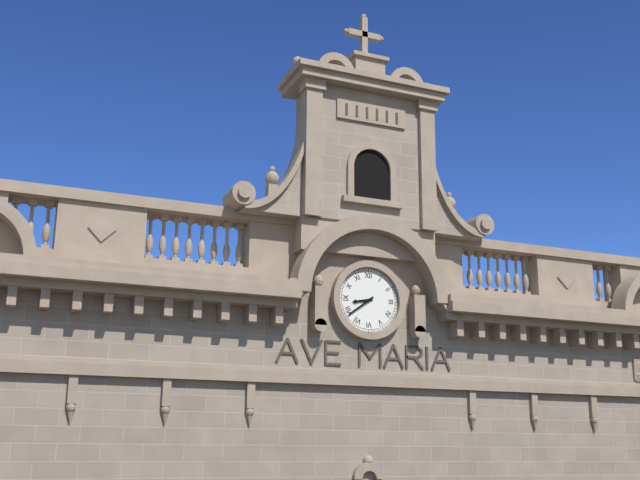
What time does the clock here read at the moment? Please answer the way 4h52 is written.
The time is 8h39
